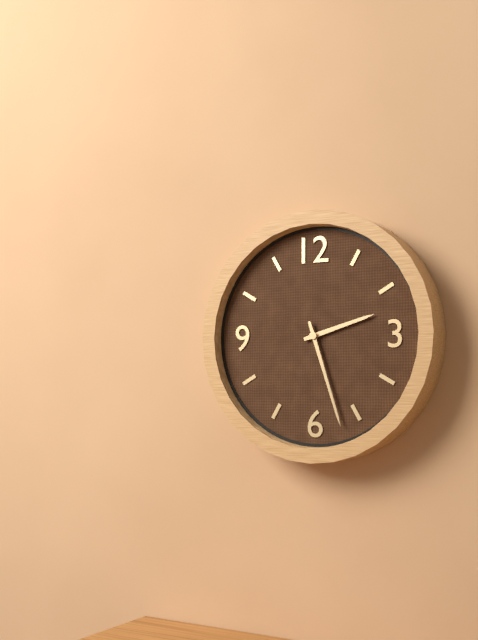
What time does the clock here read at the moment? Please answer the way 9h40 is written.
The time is 2h27
